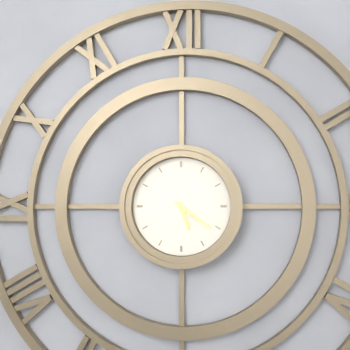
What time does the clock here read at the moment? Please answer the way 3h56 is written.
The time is 5h21
